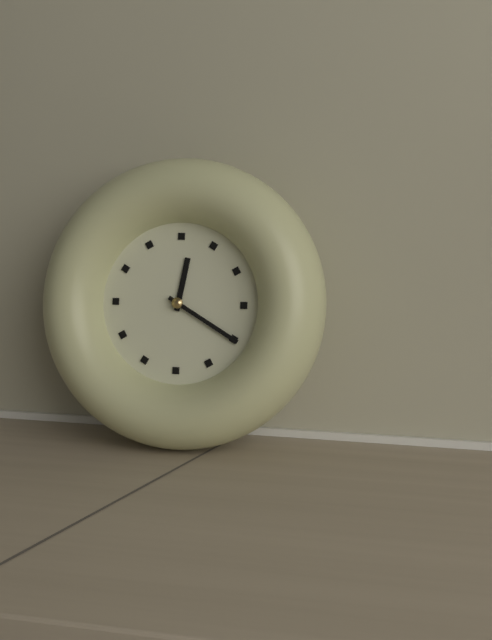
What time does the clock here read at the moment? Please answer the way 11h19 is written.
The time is 12h20
